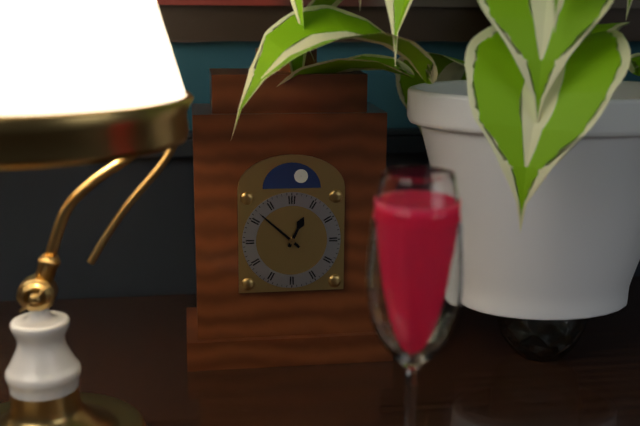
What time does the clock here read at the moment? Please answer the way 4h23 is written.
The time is 12h52
